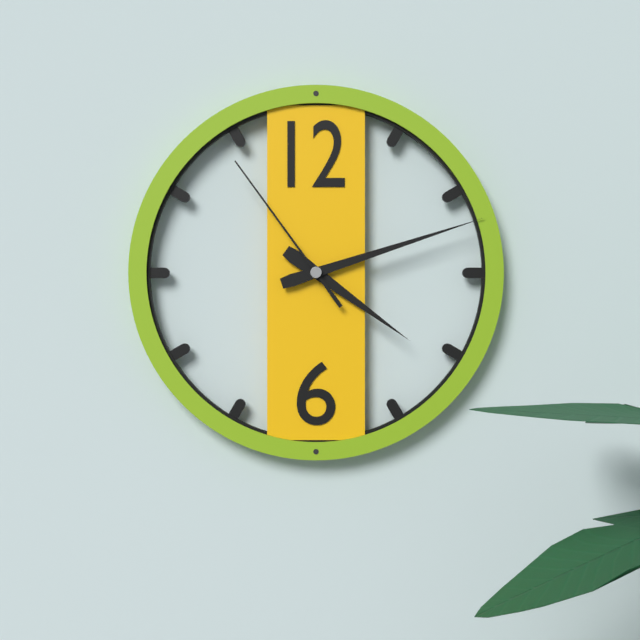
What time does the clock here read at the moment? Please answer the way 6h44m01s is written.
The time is 4h12m54s
